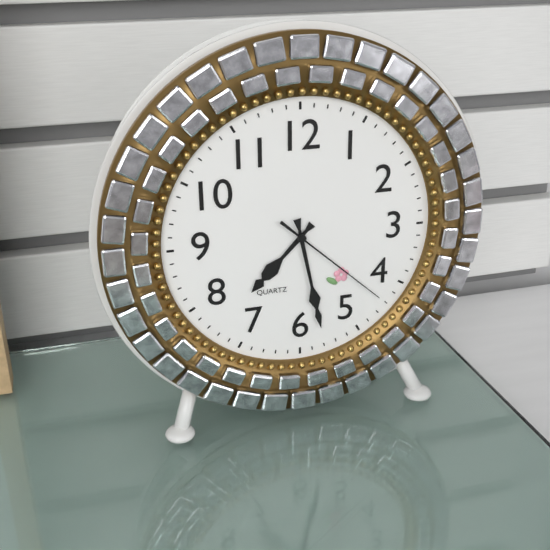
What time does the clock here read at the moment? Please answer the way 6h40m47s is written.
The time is 7h28m22s
